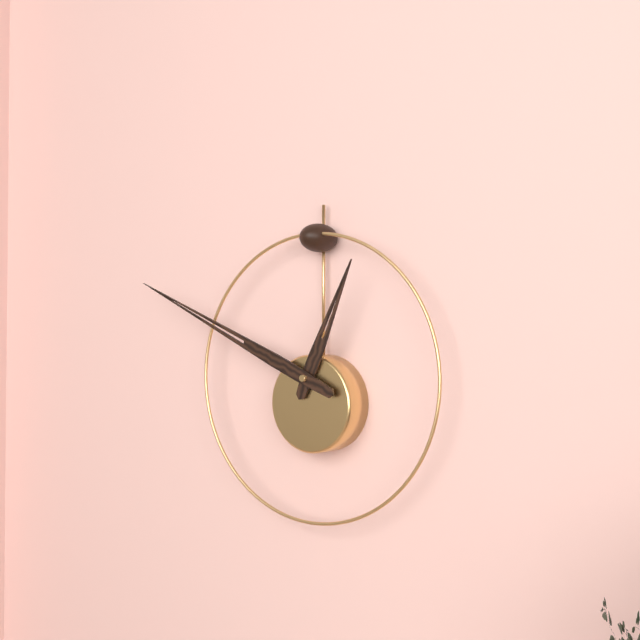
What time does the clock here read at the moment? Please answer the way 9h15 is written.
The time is 12h49
